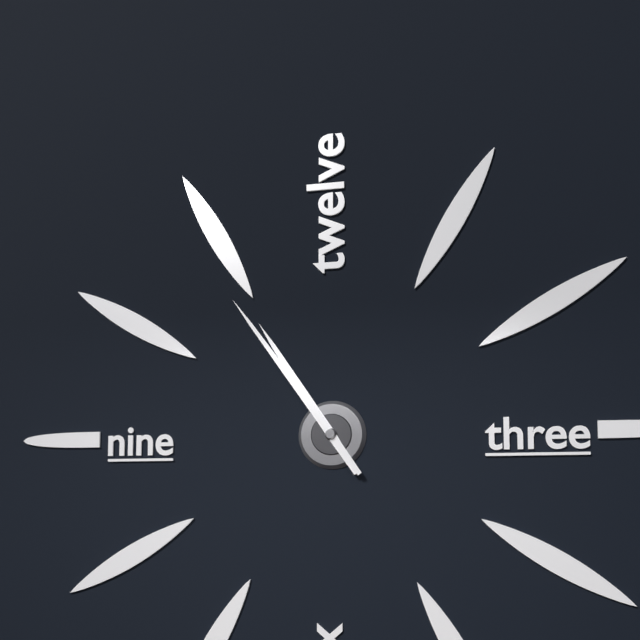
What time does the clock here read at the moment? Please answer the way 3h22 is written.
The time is 10h54
